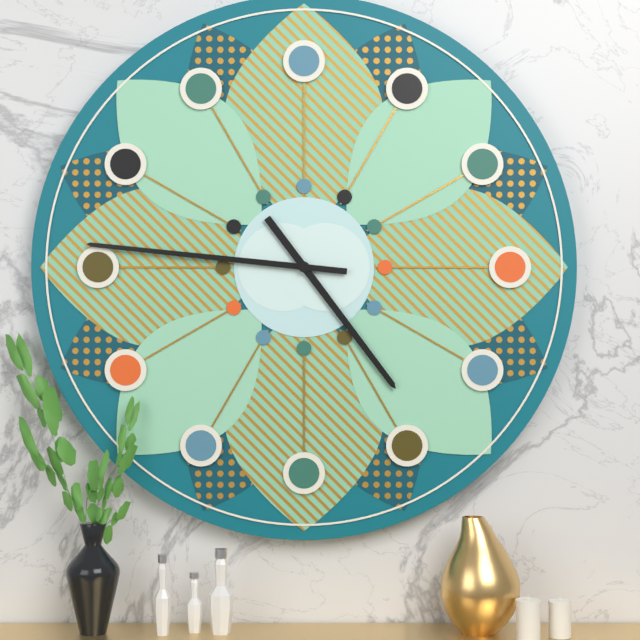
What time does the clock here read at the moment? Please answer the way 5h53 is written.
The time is 4h46
